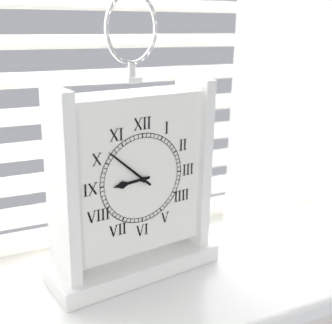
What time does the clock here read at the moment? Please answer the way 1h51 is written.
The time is 8h52
